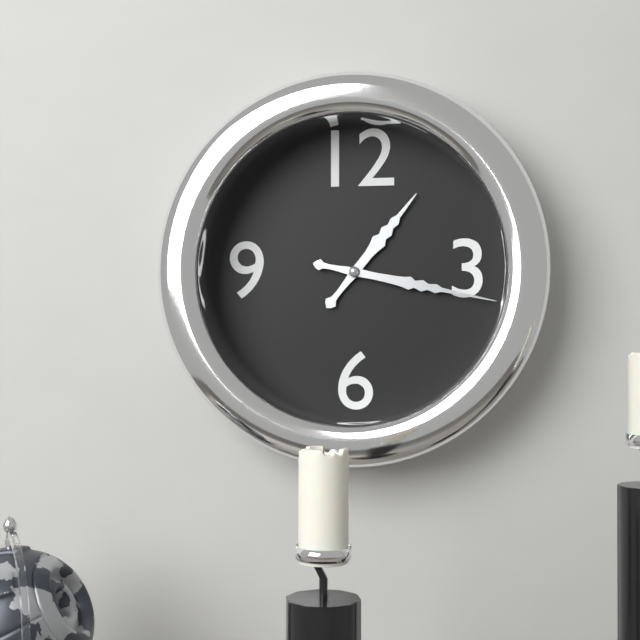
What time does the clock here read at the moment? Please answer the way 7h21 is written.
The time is 1h17
